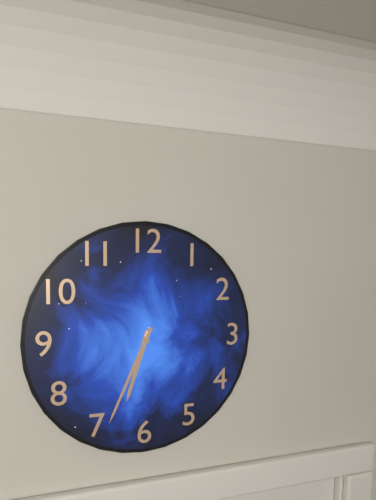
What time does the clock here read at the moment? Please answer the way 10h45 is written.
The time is 6h34
